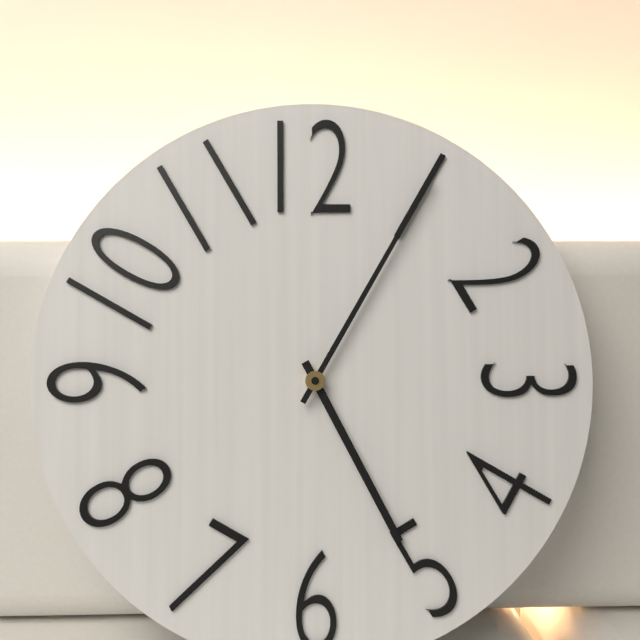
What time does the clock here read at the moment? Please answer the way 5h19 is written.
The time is 5h05
